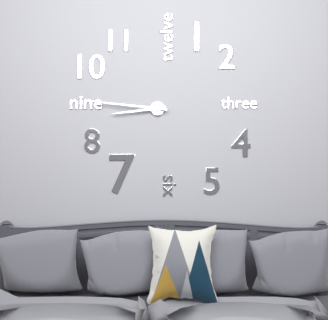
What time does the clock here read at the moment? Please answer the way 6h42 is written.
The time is 8h46
